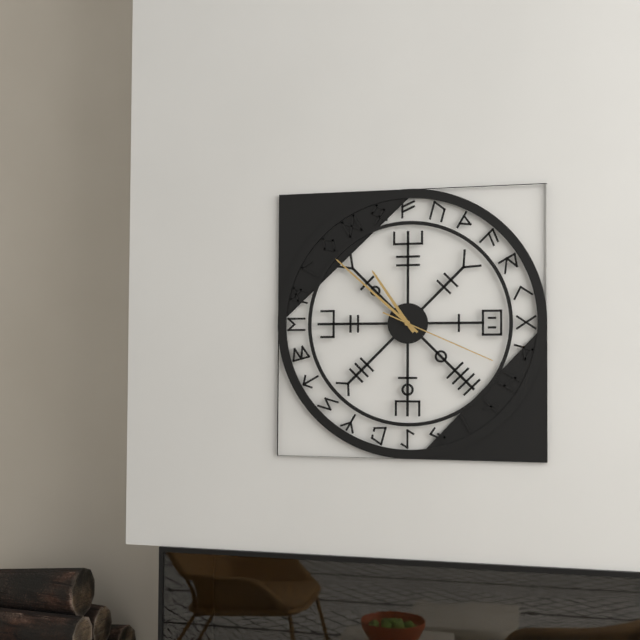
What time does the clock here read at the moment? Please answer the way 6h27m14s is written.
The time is 10h52m19s
